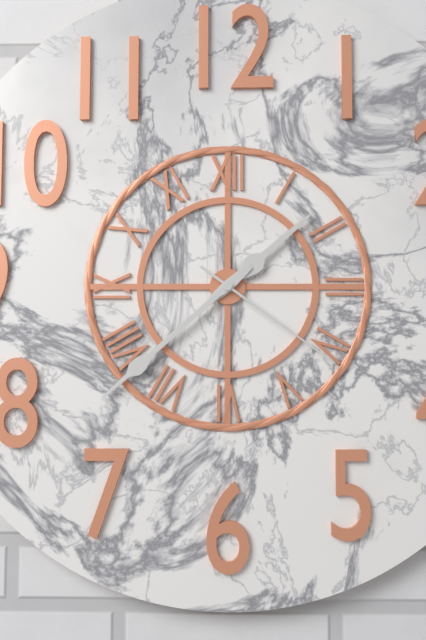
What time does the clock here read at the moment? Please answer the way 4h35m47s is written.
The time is 1h38m21s
